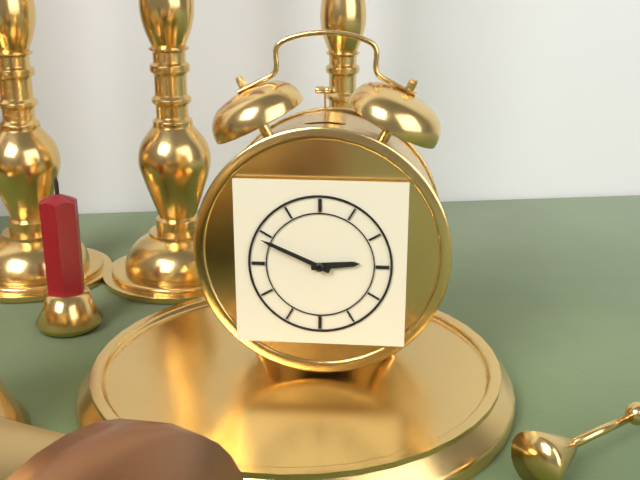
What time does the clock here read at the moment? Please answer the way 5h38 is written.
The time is 2h49
